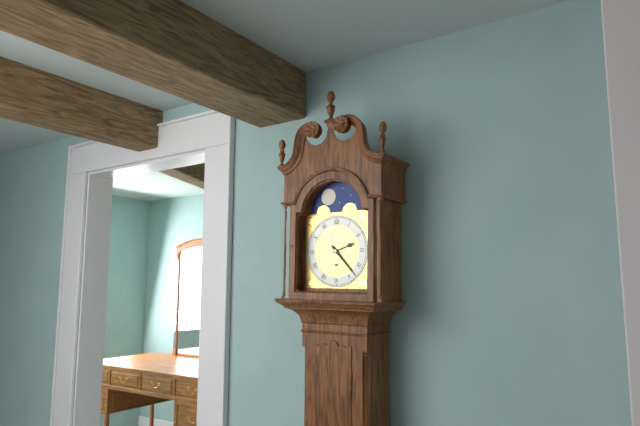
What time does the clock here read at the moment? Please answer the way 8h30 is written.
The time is 2h23
